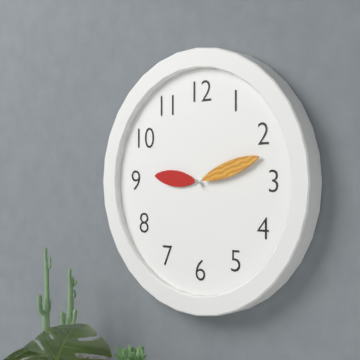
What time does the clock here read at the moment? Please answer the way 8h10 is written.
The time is 9h12
